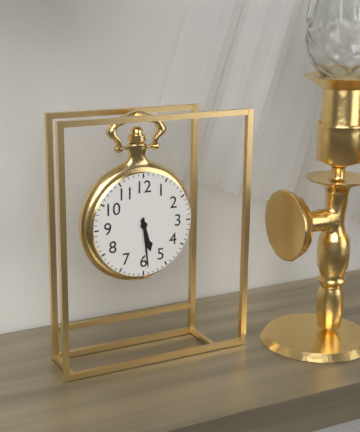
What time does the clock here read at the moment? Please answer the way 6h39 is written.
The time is 5h29
